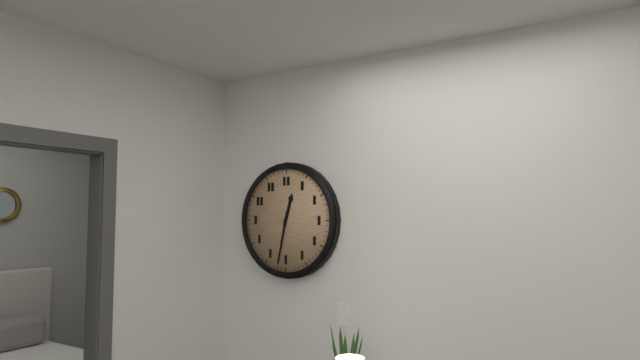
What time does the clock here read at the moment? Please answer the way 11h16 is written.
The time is 12h32
